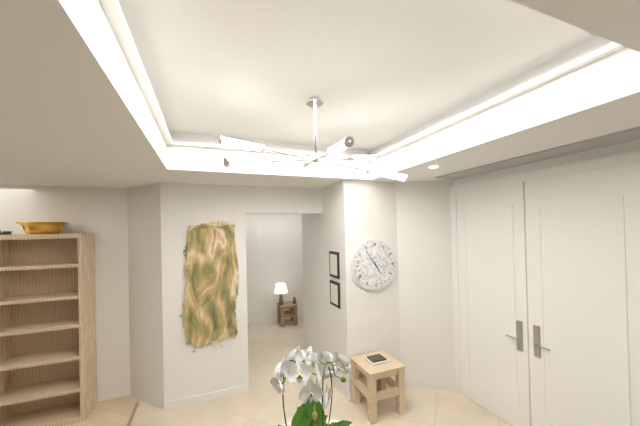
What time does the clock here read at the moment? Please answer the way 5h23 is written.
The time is 4h54
